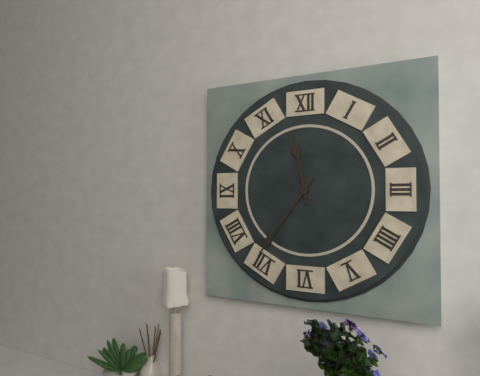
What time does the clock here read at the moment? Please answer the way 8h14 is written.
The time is 11h36
